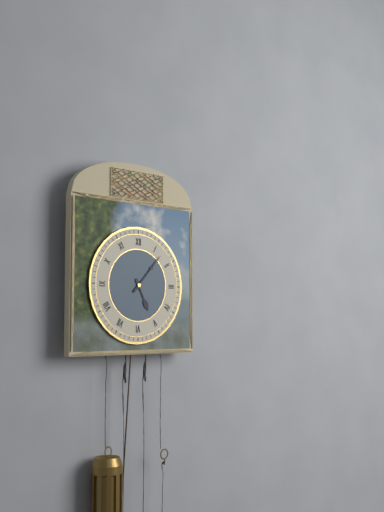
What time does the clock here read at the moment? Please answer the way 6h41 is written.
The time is 5h07
